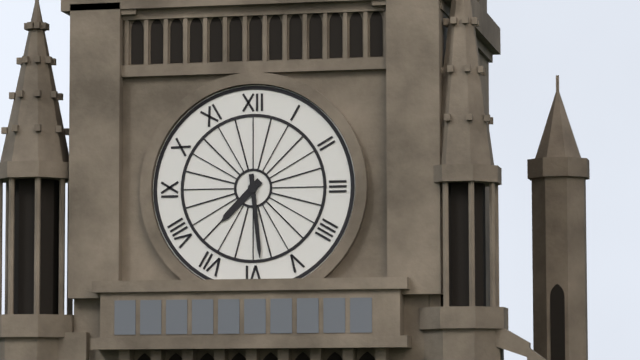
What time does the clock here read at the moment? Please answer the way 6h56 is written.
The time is 7h29
